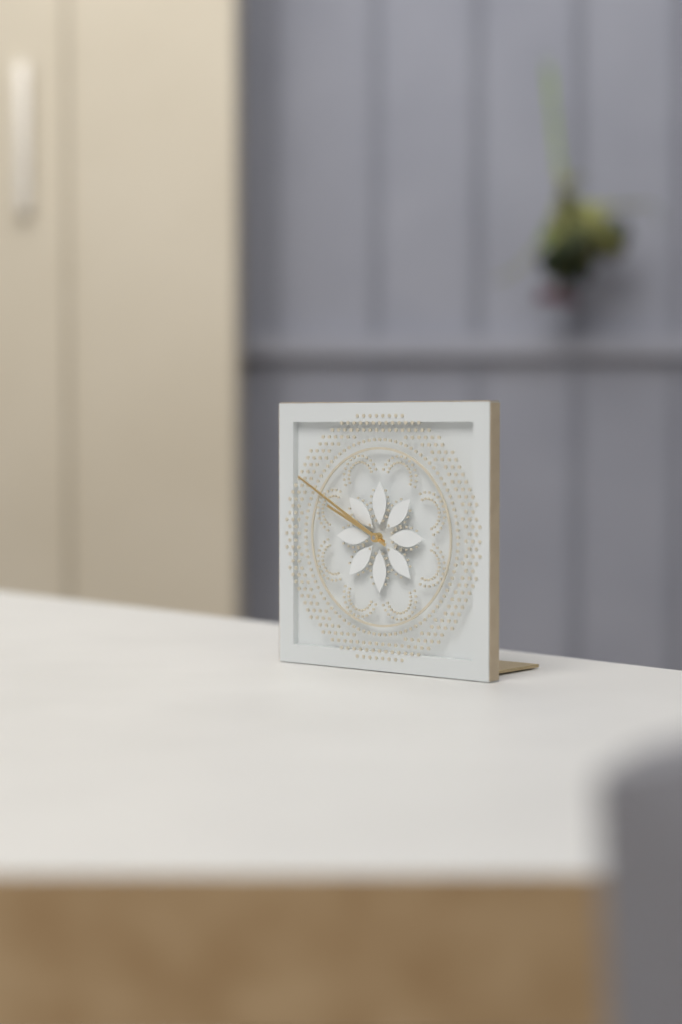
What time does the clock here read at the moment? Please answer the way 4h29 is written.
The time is 9h50
